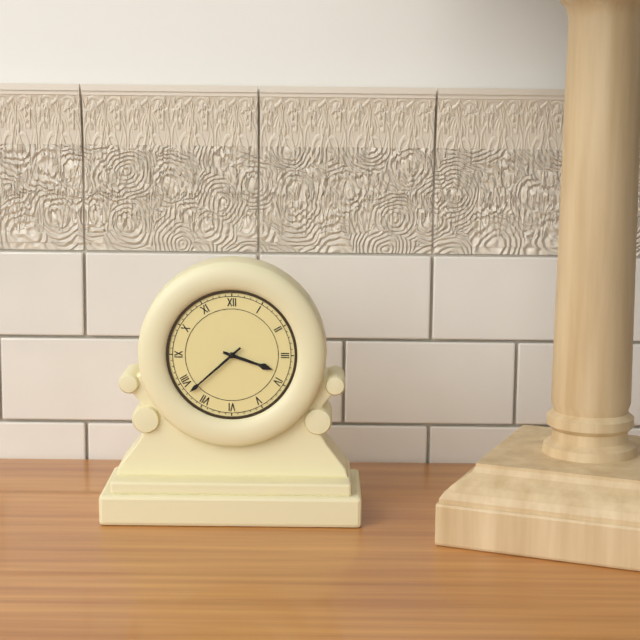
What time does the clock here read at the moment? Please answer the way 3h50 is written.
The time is 3h38
